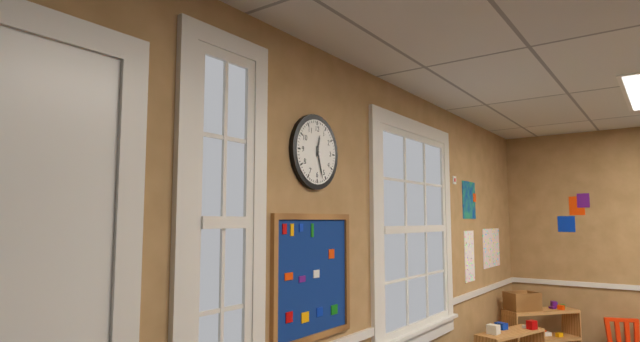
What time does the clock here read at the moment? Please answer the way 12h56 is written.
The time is 12h27
